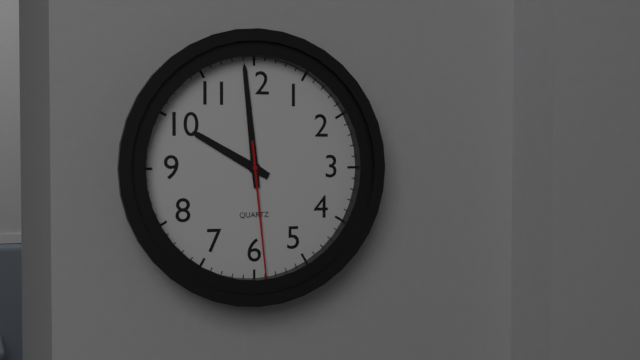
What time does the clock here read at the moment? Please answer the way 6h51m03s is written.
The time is 9h59m29s
